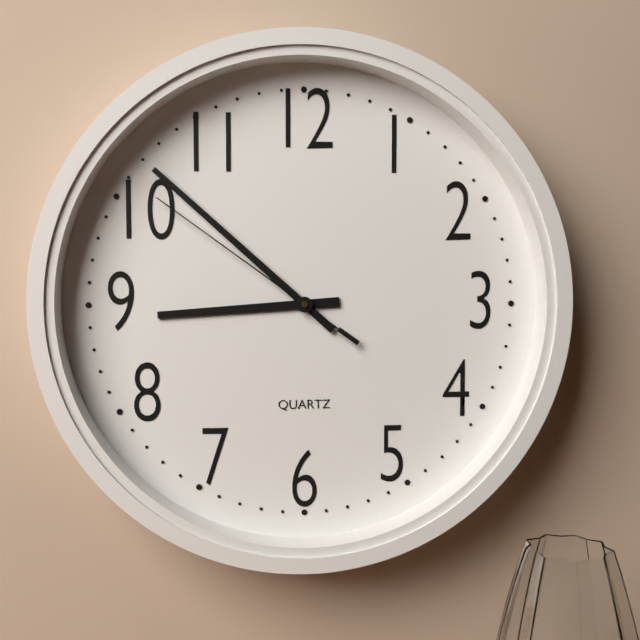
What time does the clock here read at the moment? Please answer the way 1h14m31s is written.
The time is 8h52m51s
